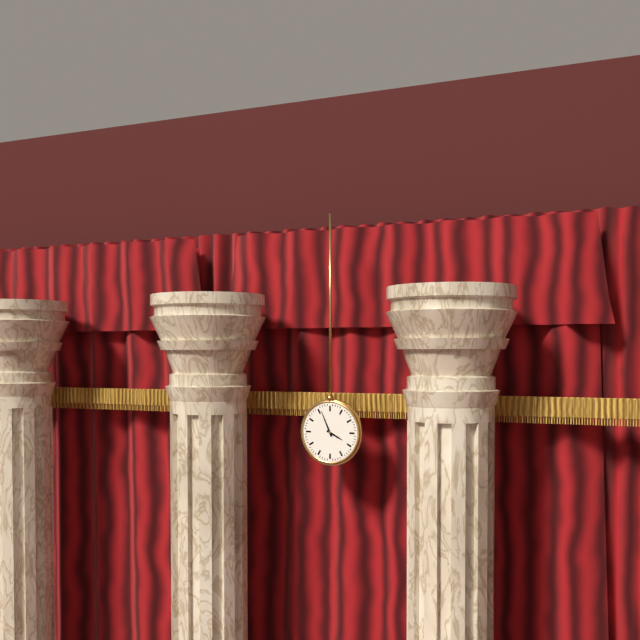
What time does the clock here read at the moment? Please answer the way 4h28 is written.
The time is 3h56
